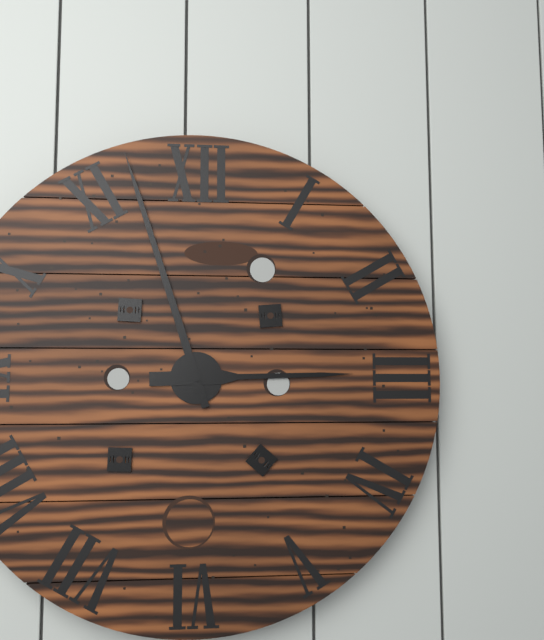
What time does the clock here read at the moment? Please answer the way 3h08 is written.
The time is 2h57
